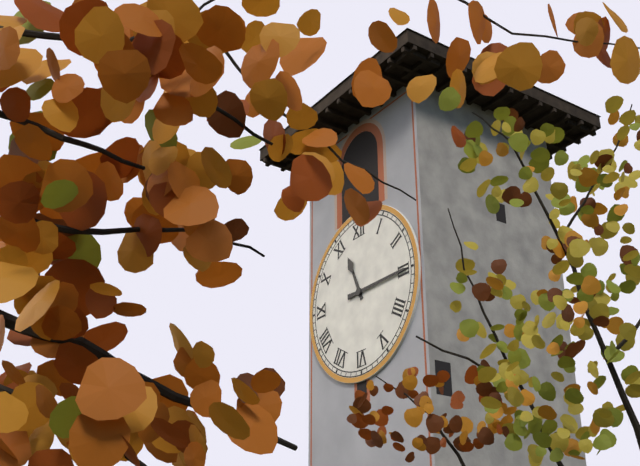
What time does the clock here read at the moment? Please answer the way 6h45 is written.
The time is 11h15
